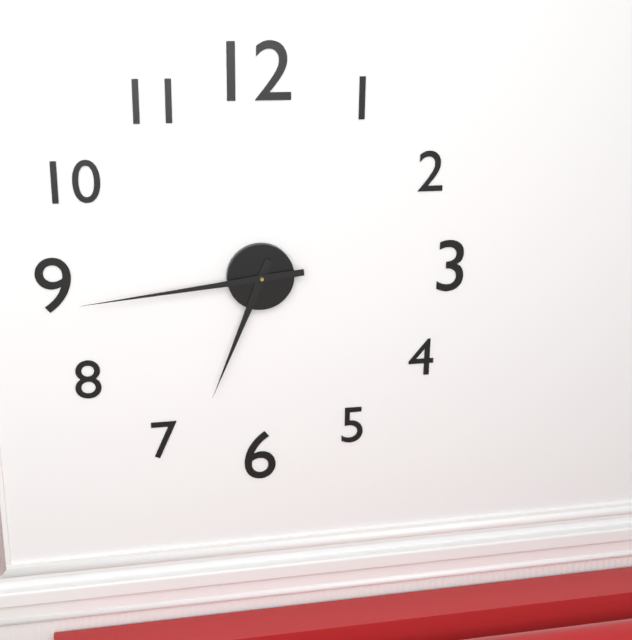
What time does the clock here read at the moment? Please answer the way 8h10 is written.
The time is 6h44
